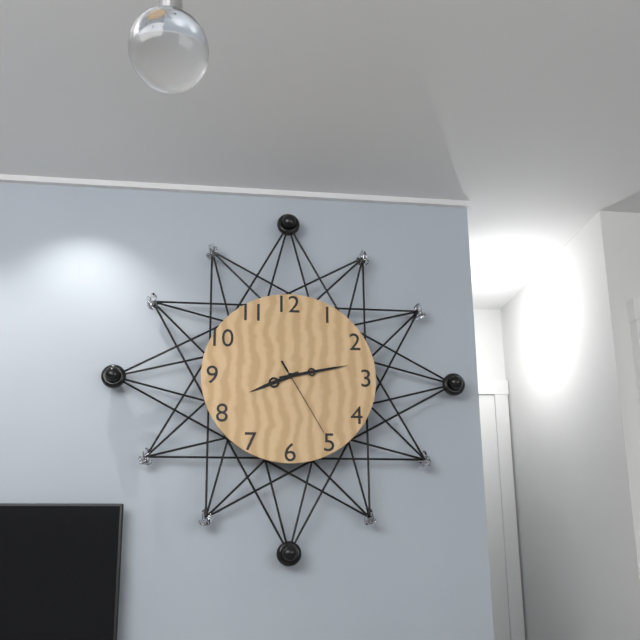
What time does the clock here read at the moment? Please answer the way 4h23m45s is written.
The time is 8h13m25s
